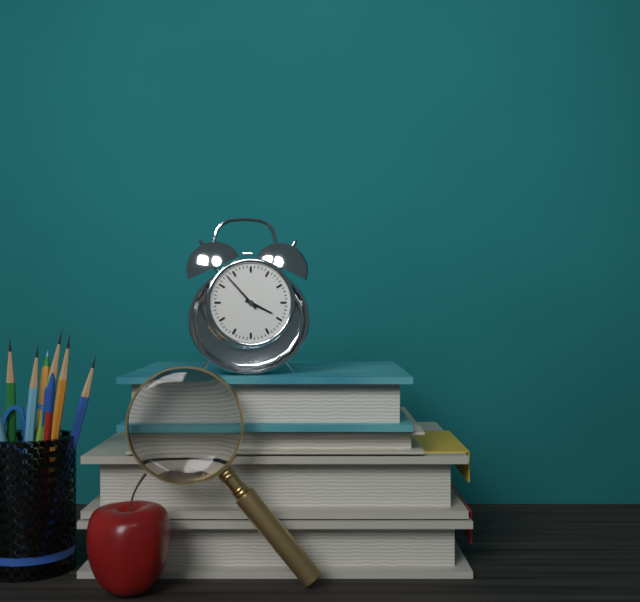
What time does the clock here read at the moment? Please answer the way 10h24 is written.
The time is 3h53
